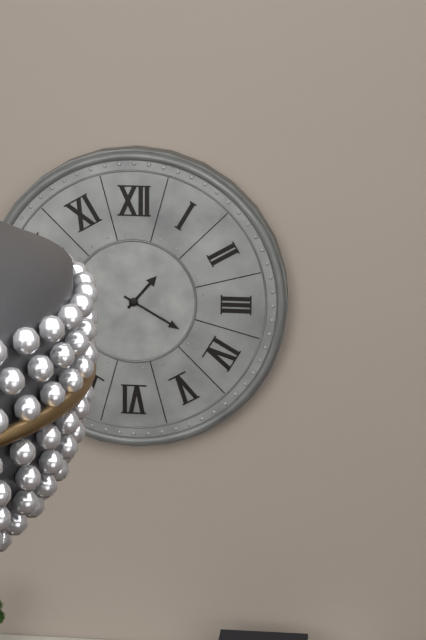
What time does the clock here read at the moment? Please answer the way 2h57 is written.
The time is 1h20
